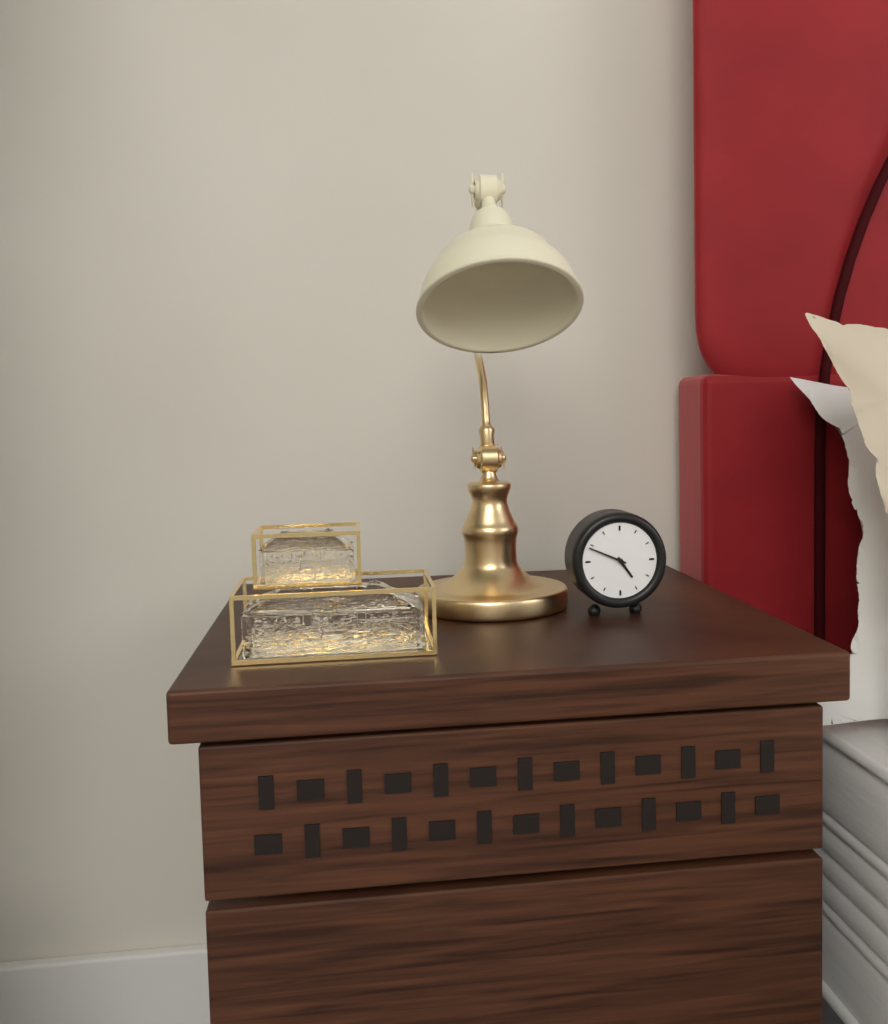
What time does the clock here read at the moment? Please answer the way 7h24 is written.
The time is 4h49
